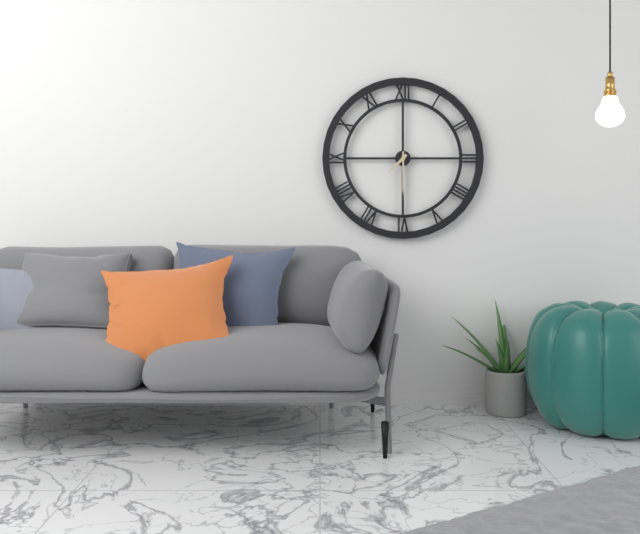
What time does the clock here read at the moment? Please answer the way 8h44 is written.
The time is 7h30
